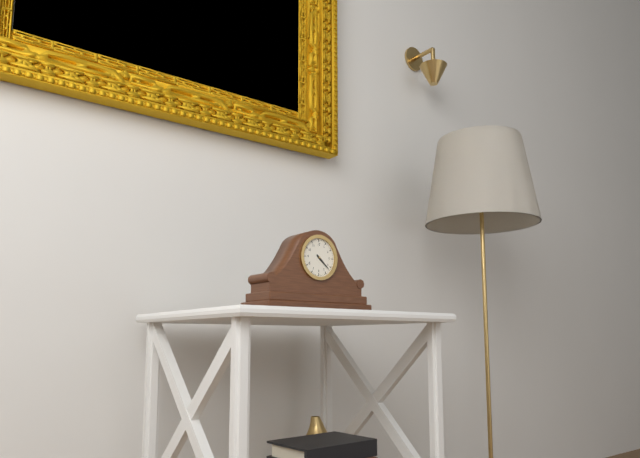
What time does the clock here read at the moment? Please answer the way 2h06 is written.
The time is 4h22
